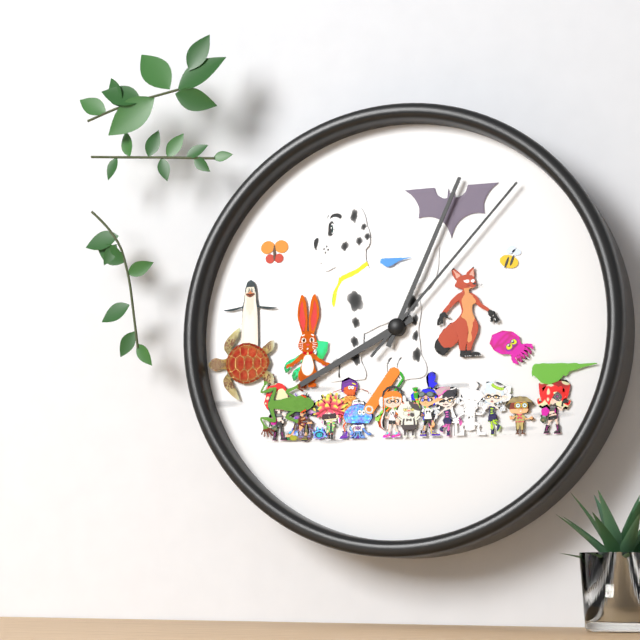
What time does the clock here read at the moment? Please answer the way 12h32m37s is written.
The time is 8h04m07s
